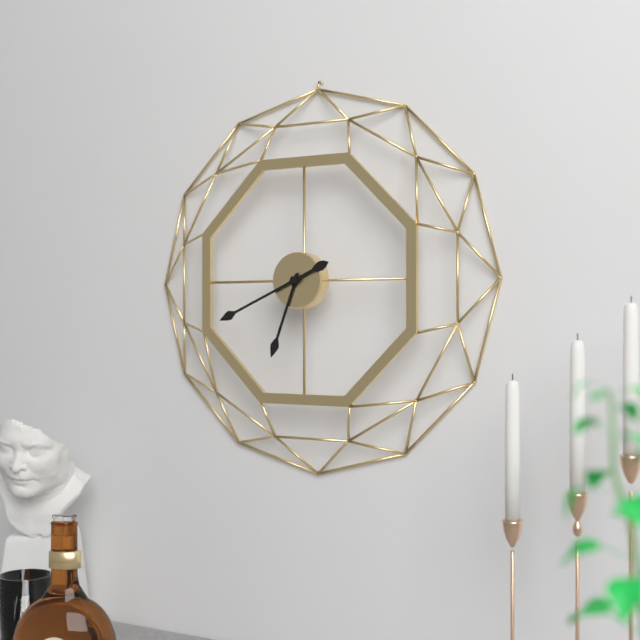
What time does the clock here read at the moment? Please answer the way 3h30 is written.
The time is 6h41
